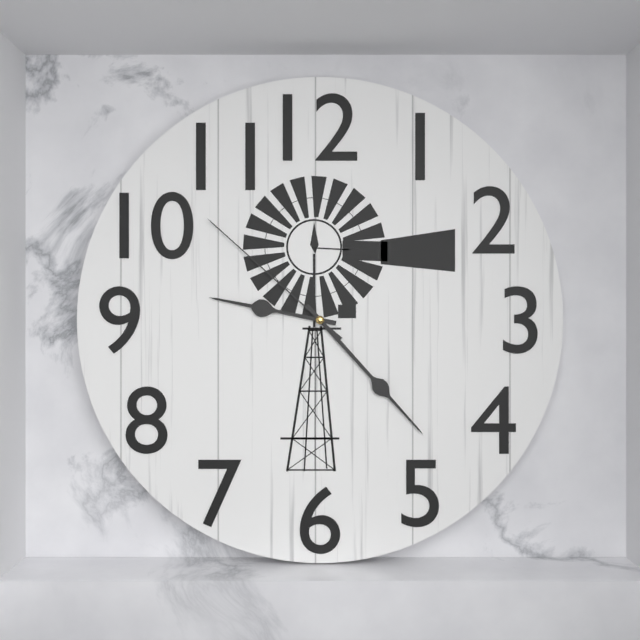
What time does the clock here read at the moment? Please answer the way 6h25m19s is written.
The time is 9h23m52s
